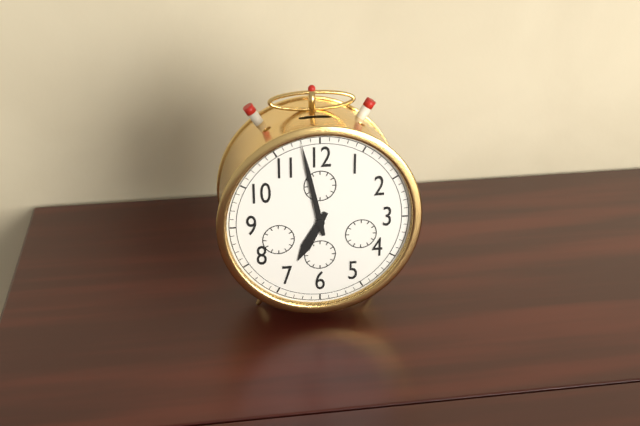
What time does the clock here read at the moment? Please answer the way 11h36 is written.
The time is 6h58
